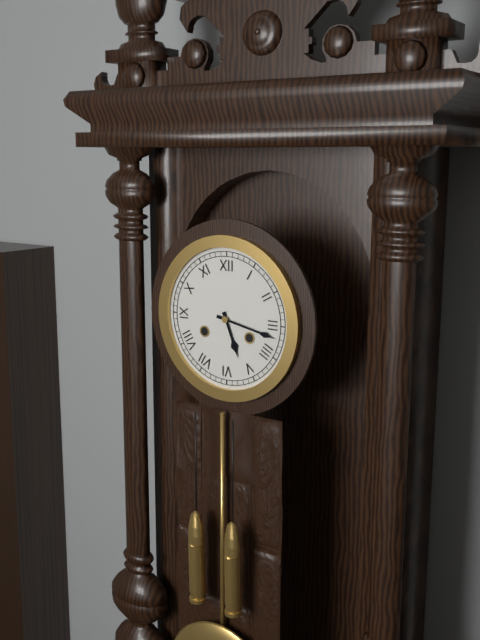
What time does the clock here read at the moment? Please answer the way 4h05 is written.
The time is 5h17
